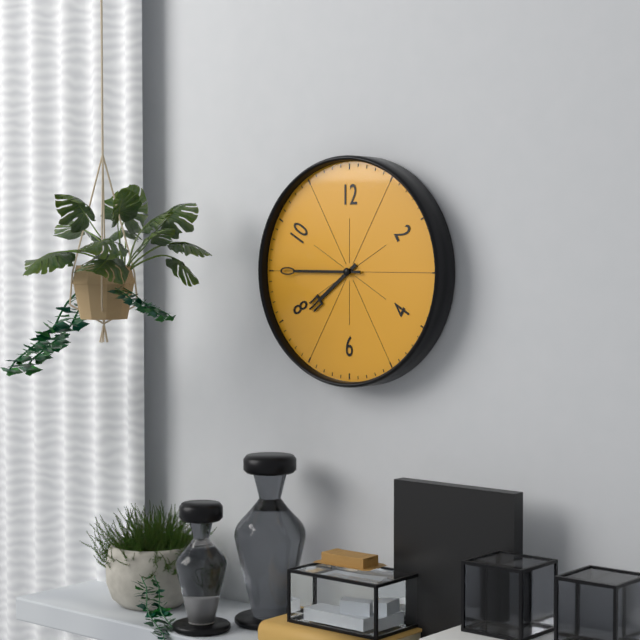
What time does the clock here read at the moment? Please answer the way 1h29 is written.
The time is 7h45
